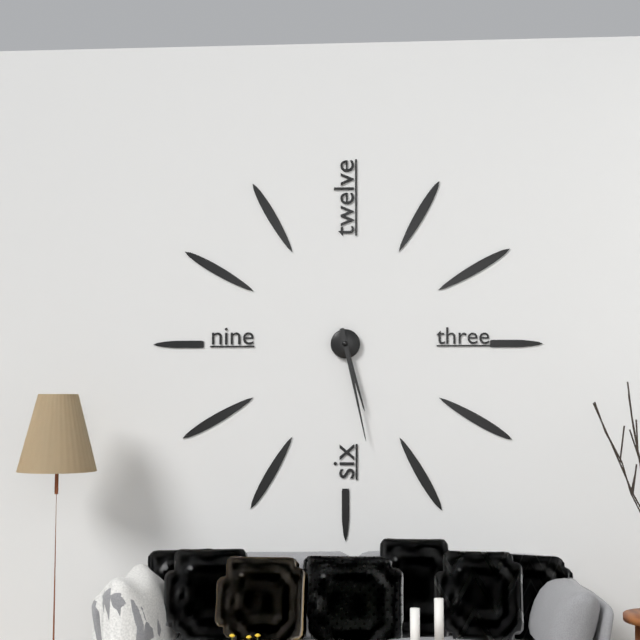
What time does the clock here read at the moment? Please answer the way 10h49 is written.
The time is 5h28
